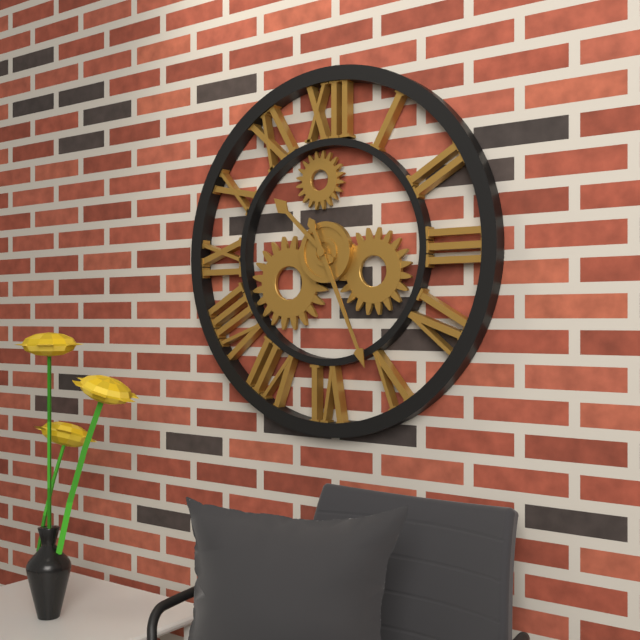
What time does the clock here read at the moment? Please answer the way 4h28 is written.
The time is 10h26
